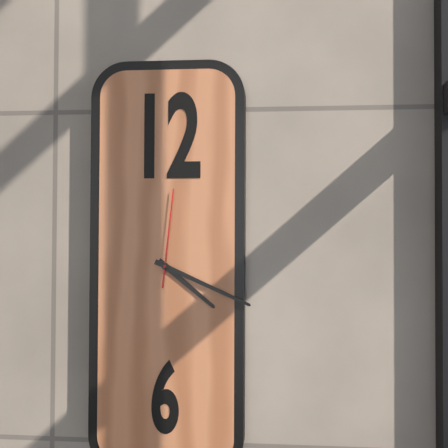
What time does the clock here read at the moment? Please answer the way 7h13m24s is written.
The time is 4h19m01s
